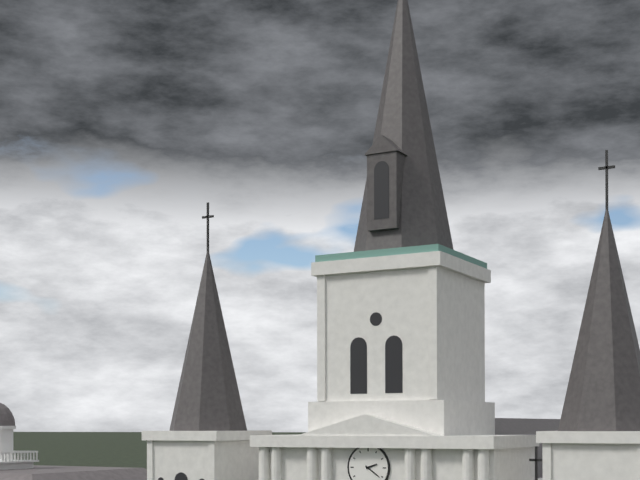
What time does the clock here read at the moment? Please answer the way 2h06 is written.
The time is 2h21
